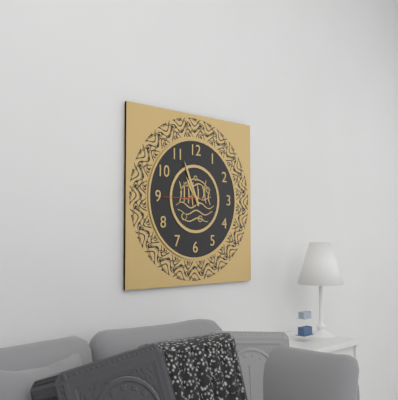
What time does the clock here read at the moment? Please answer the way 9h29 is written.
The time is 10h56
